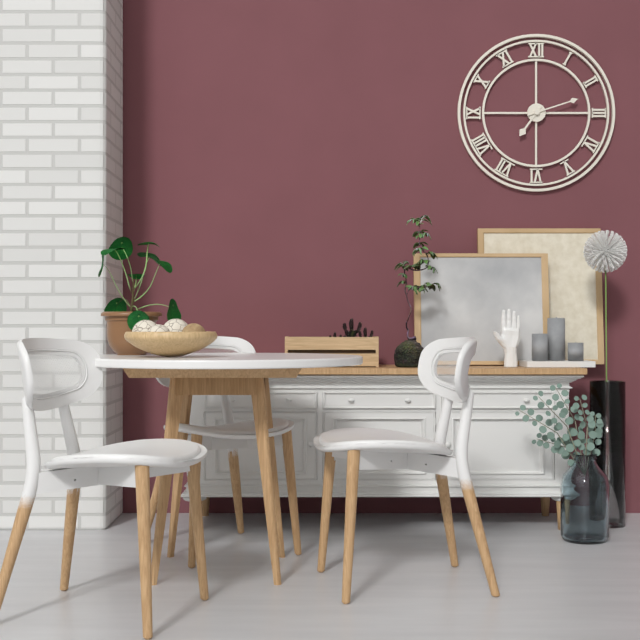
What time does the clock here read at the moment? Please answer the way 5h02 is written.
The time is 7h12
